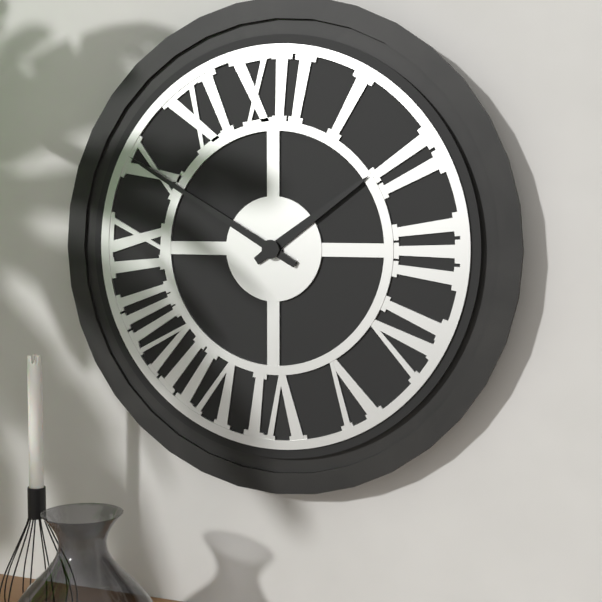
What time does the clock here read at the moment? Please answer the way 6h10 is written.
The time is 1h50
